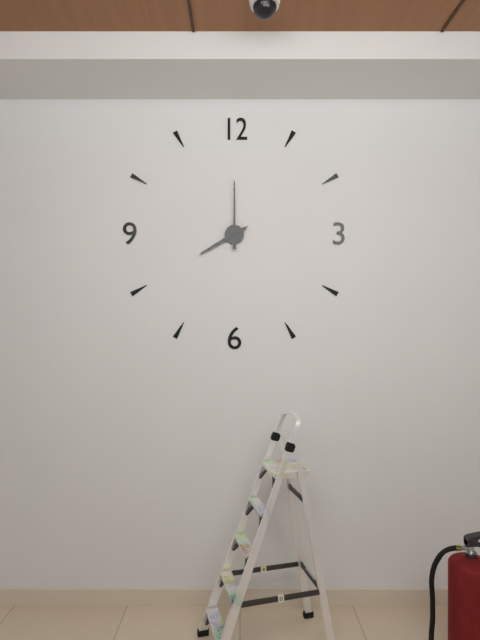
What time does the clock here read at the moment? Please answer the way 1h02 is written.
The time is 8h00
